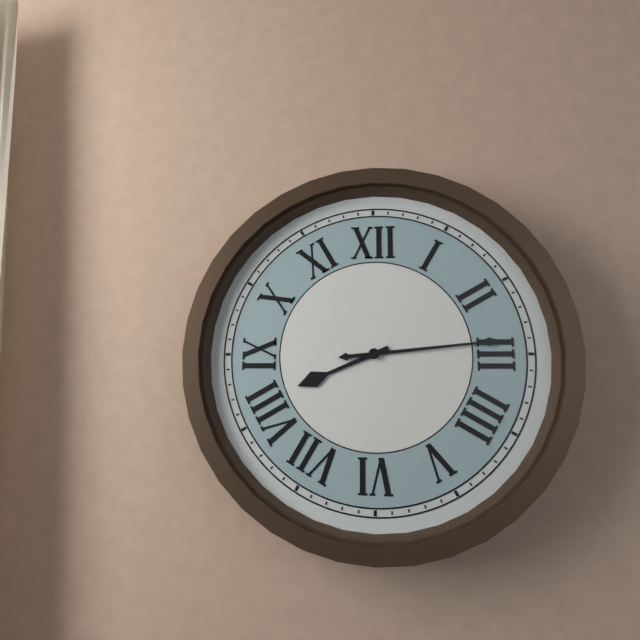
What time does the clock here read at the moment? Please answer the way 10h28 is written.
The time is 8h14
